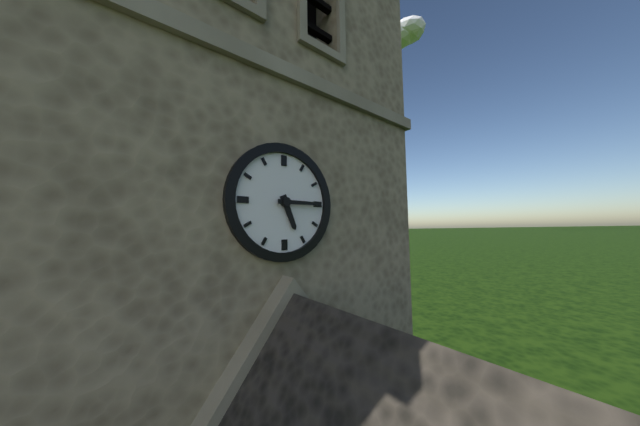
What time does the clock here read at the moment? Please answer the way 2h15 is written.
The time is 5h15
